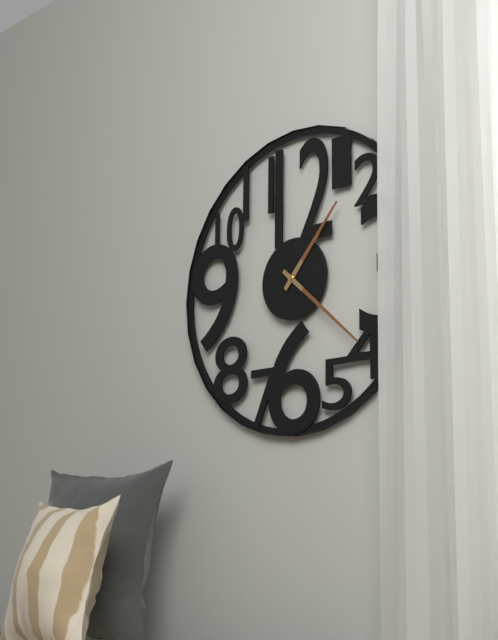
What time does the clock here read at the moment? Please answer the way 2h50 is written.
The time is 1h22
